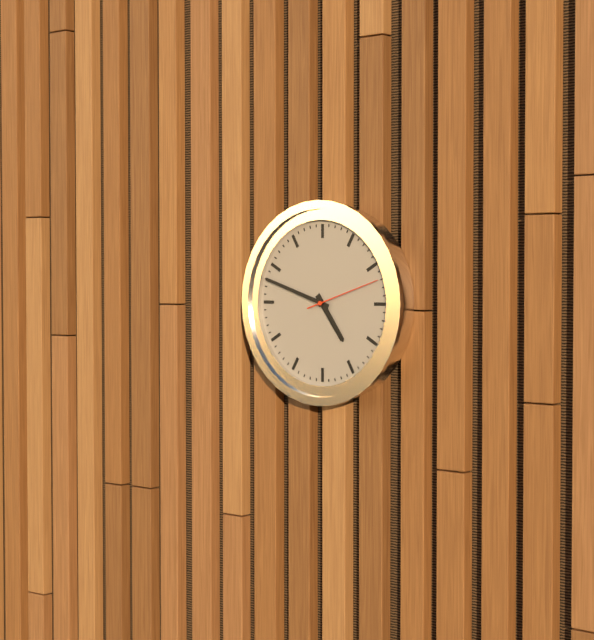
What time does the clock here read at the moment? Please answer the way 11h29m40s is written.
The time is 4h48m12s
